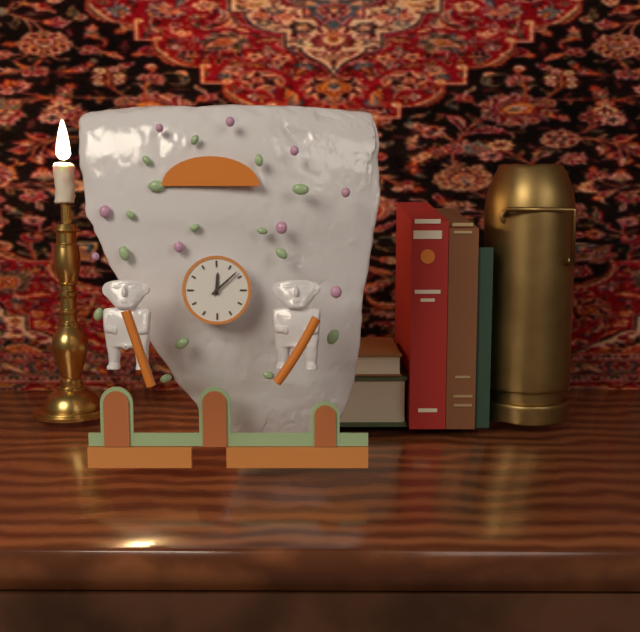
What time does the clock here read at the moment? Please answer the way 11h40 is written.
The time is 12h08
